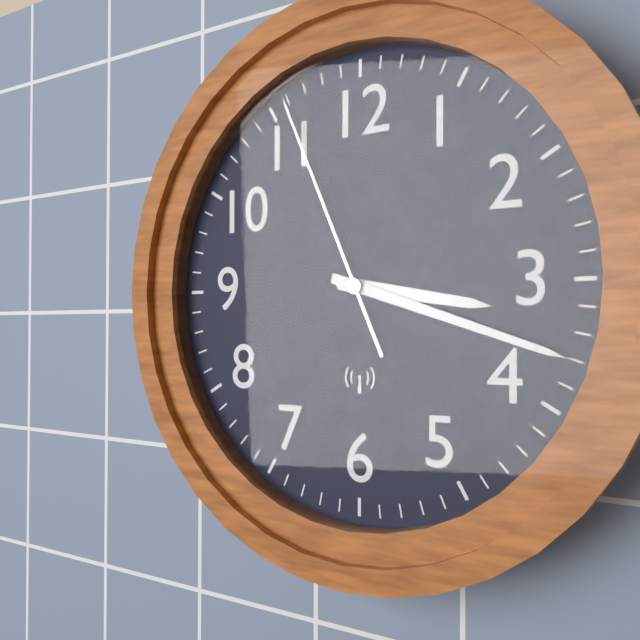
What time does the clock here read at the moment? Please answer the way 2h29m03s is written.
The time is 3h18m56s
